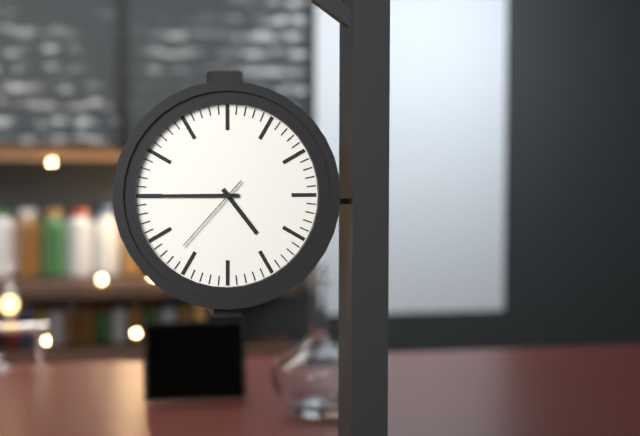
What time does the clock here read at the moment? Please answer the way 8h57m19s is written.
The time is 4h45m37s
